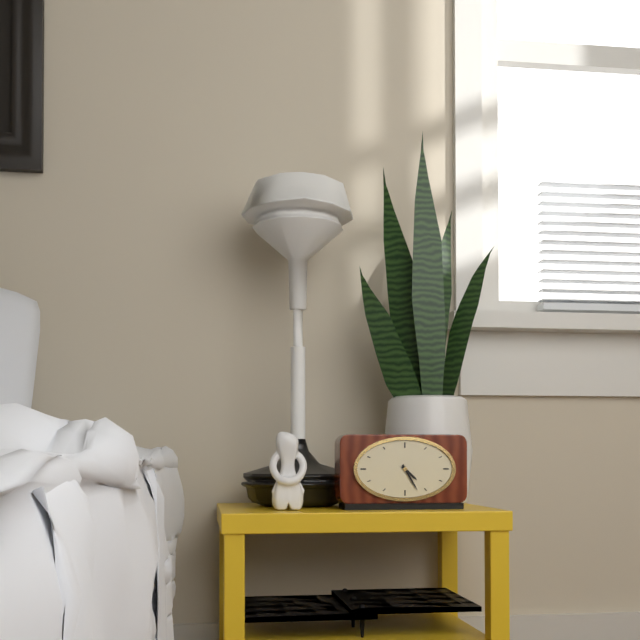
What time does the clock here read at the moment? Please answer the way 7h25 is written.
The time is 4h25
